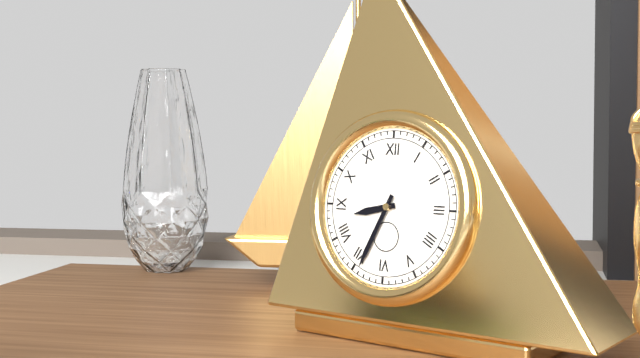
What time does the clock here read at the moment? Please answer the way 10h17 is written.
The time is 8h34
